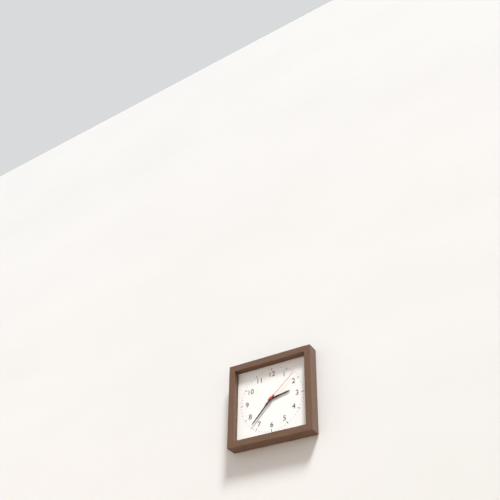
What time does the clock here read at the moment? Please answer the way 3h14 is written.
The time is 2h37
